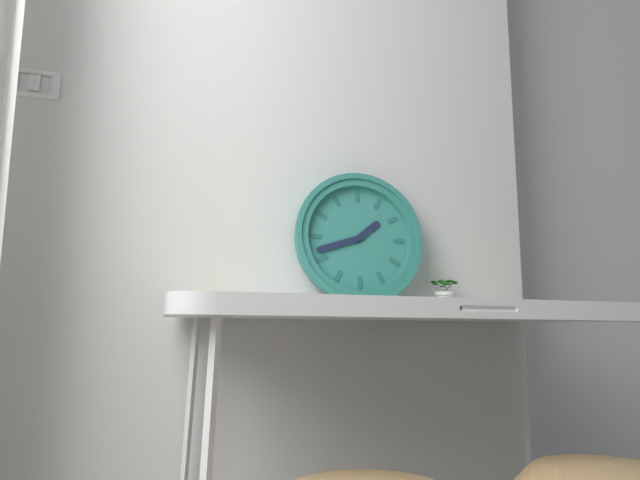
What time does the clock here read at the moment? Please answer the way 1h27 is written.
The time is 1h42
